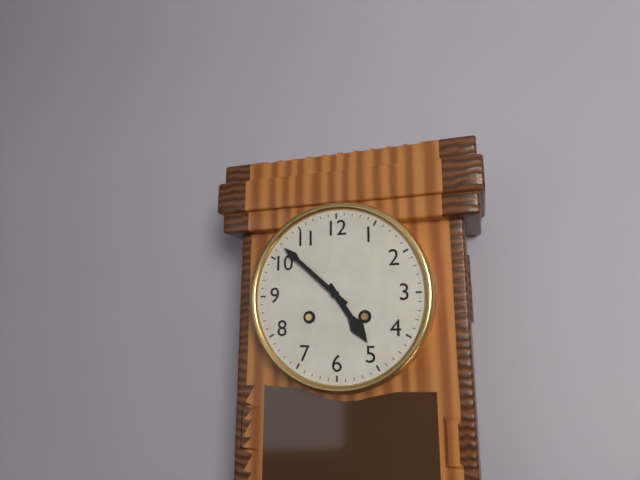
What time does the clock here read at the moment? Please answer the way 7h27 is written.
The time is 4h52
